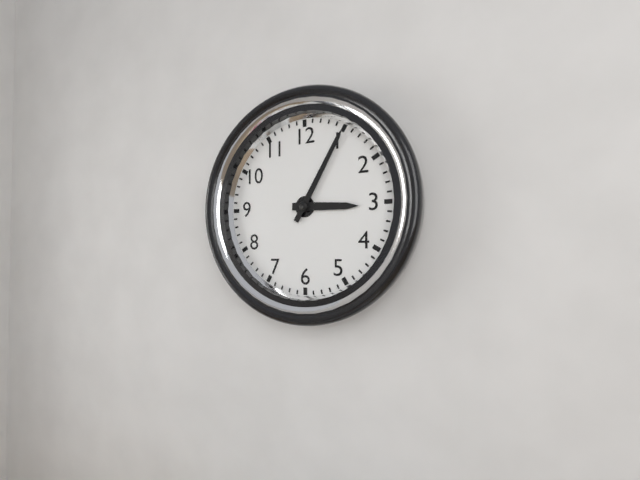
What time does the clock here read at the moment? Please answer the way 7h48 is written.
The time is 3h05
